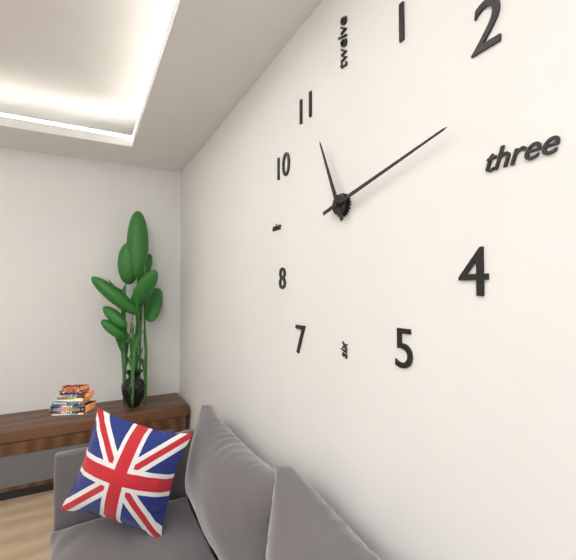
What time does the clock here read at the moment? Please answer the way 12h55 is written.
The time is 11h13
